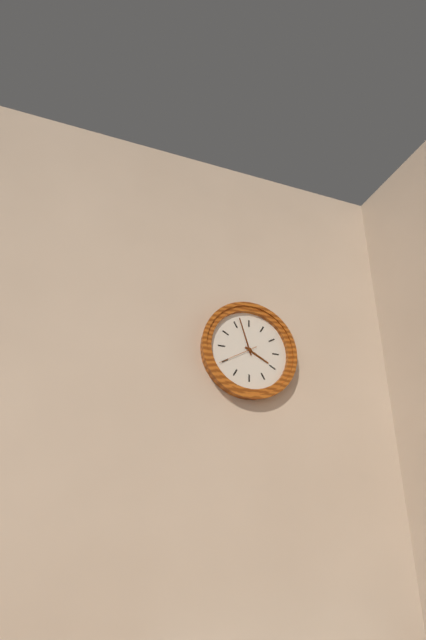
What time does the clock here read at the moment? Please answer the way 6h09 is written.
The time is 3h57
